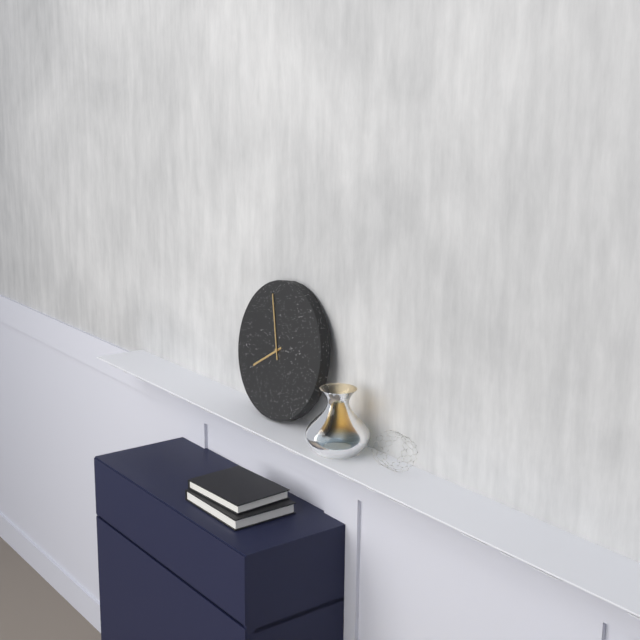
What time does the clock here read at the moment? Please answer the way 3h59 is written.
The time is 7h57
